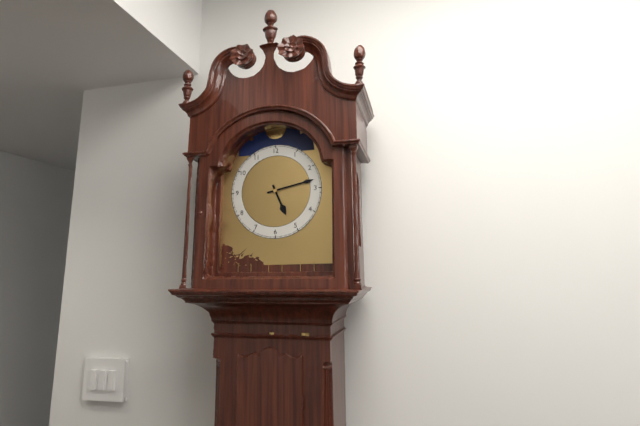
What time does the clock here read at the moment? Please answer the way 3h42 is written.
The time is 5h13
